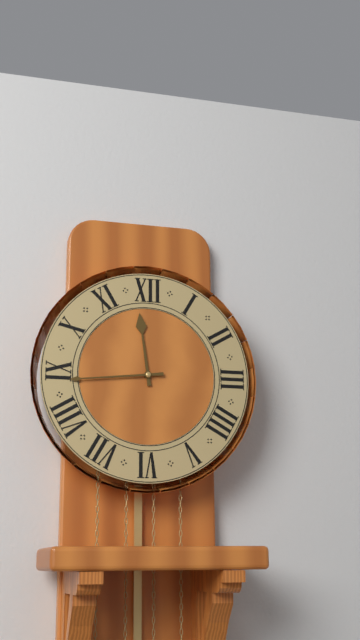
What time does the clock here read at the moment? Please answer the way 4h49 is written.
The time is 11h44
